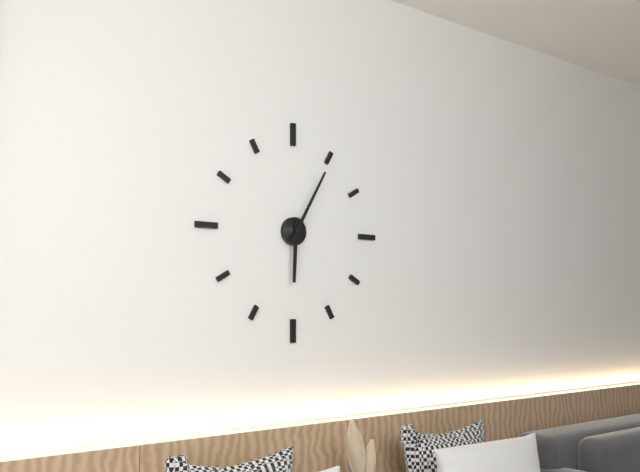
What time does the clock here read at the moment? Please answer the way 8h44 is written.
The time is 6h05
